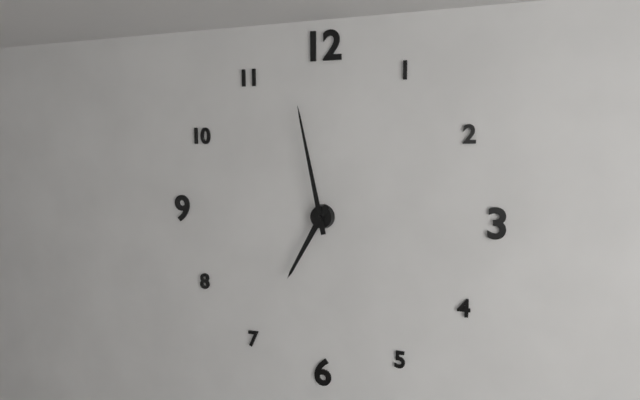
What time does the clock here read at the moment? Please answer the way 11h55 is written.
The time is 6h58
